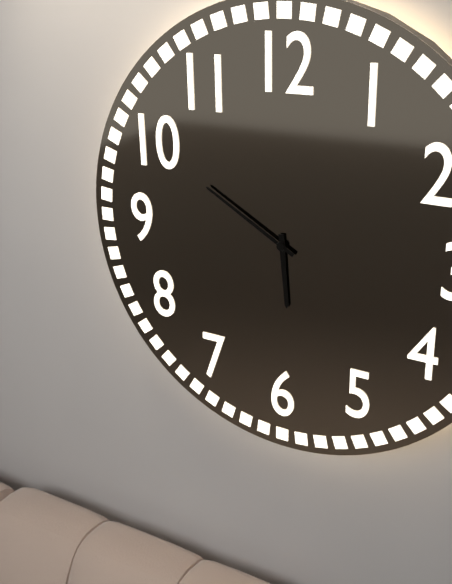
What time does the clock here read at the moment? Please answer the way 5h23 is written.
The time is 5h50
